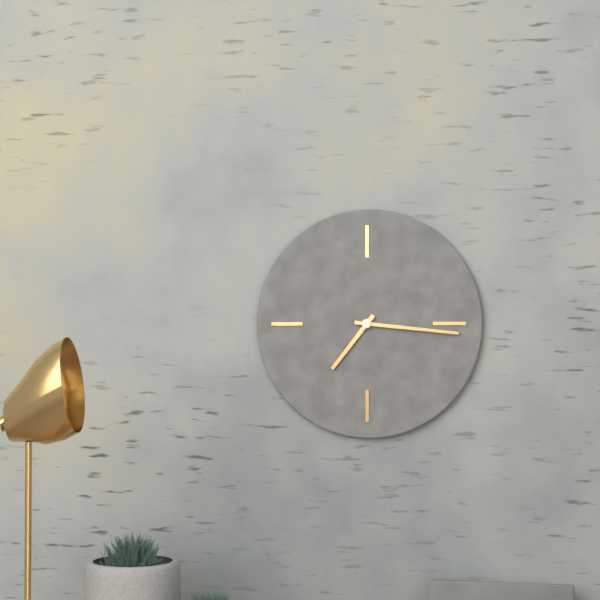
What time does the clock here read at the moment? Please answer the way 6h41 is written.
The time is 7h16
